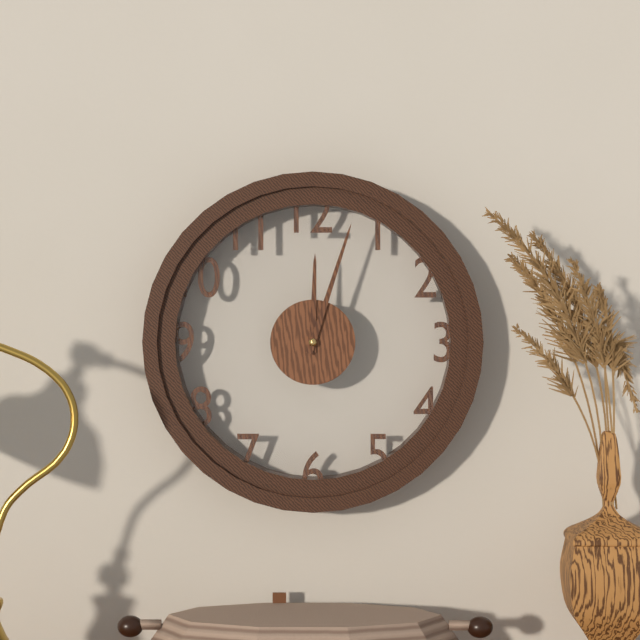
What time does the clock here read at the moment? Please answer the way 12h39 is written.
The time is 12h03
